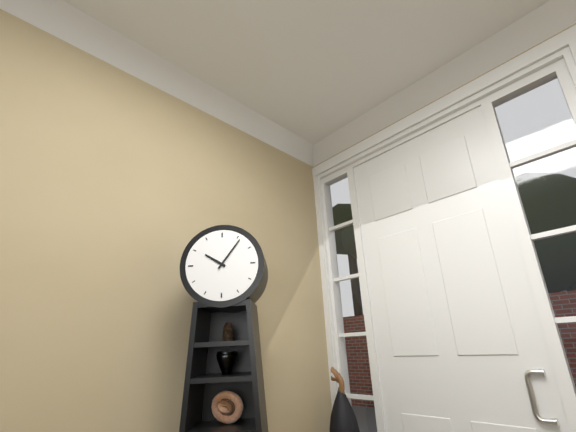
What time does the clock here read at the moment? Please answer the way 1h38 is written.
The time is 10h06
